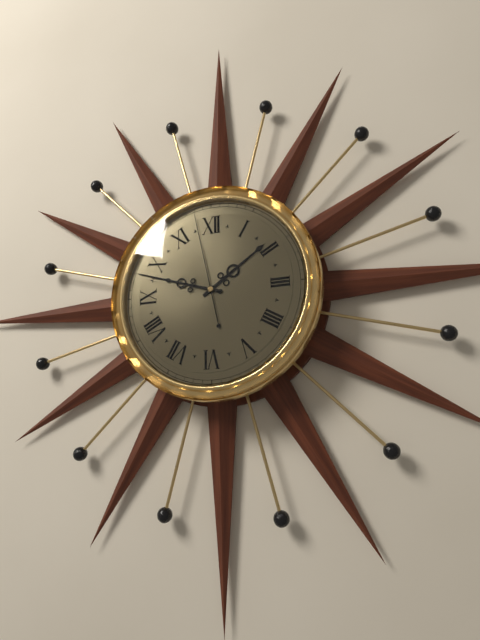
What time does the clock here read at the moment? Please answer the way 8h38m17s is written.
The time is 1h48m58s
